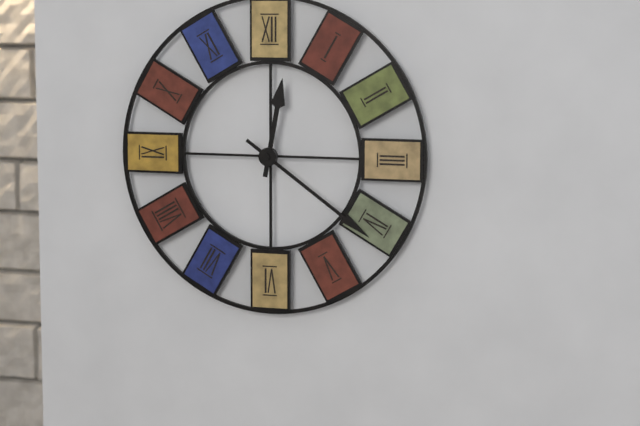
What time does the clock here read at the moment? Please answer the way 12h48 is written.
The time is 12h21
